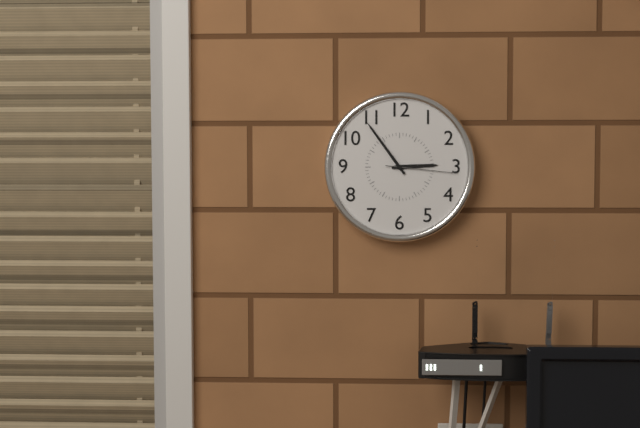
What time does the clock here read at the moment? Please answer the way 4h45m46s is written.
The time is 2h54m16s
